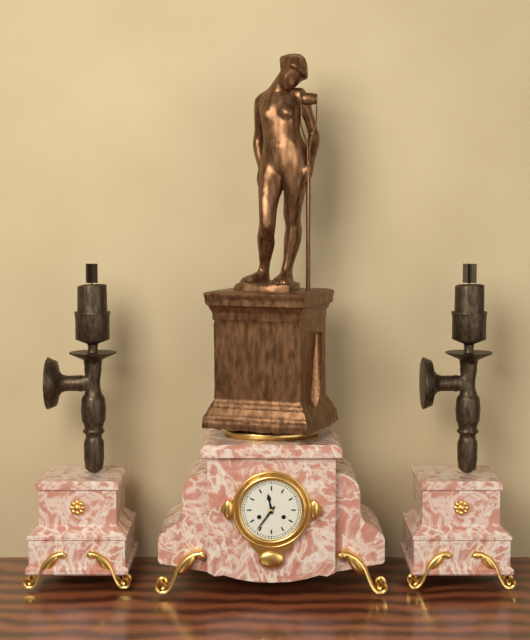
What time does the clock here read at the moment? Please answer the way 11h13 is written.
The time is 11h36
